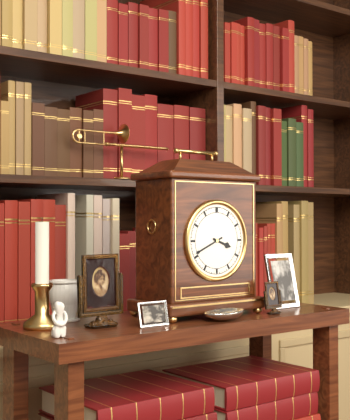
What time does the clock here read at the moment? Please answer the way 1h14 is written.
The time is 3h41
